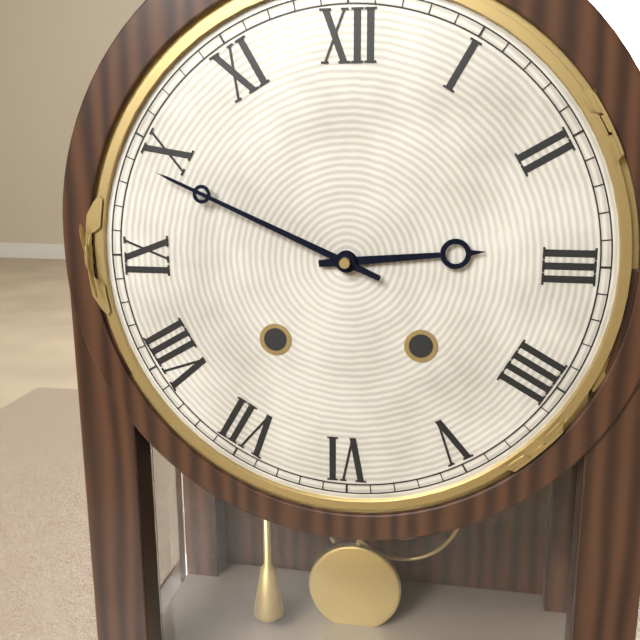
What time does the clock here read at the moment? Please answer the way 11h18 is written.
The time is 2h49
